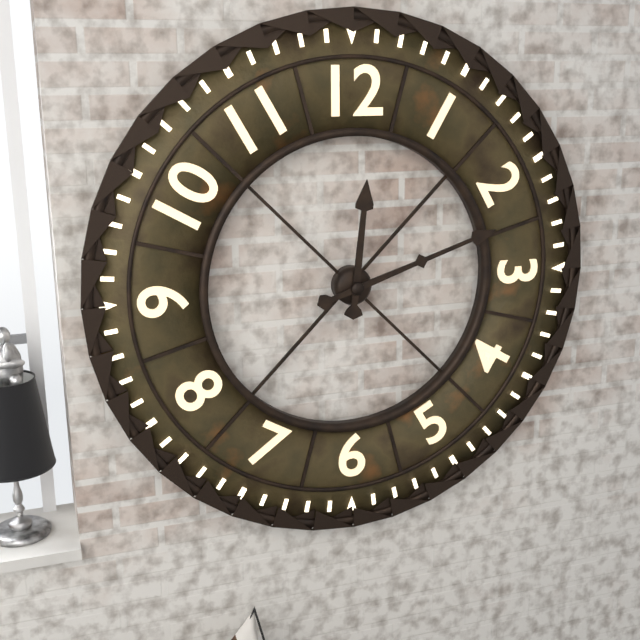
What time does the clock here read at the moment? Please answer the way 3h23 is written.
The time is 12h12
